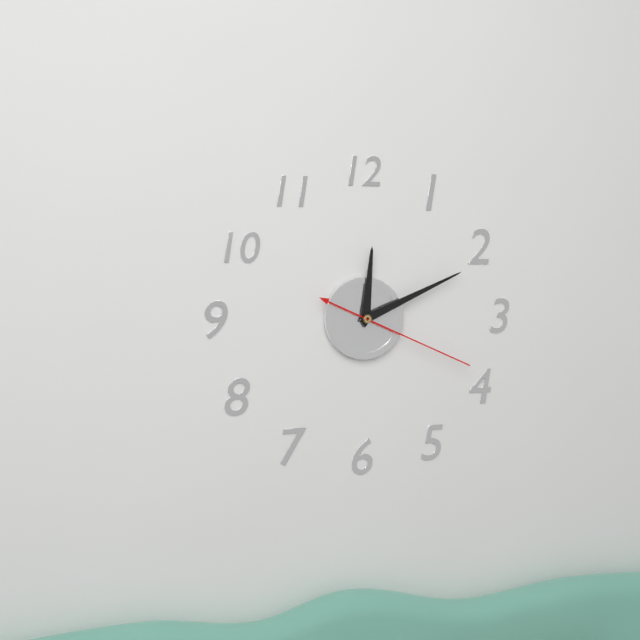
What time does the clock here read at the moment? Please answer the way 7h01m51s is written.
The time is 12h11m19s
